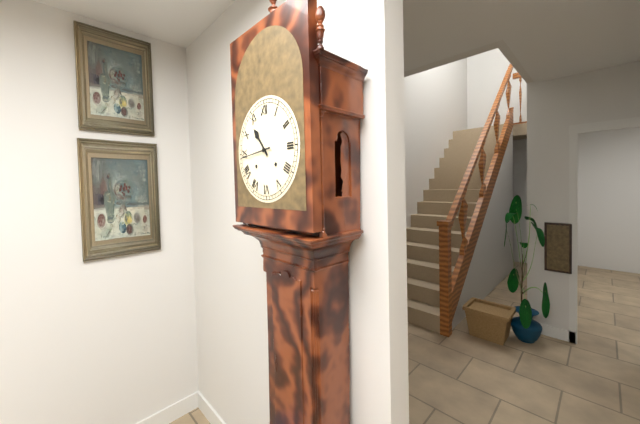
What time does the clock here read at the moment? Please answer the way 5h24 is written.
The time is 10h44
